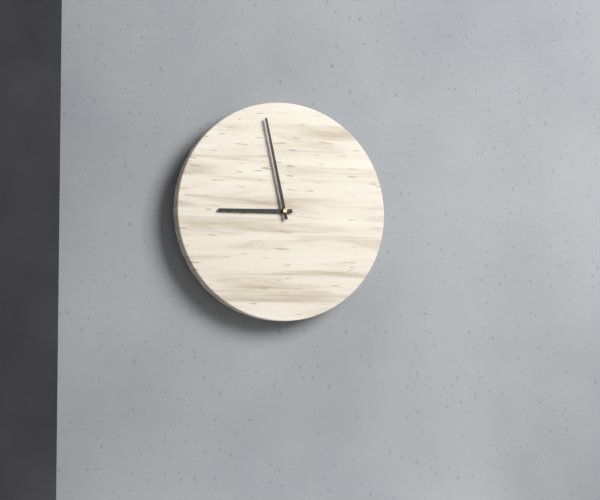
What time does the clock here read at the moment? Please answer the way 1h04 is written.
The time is 8h58
